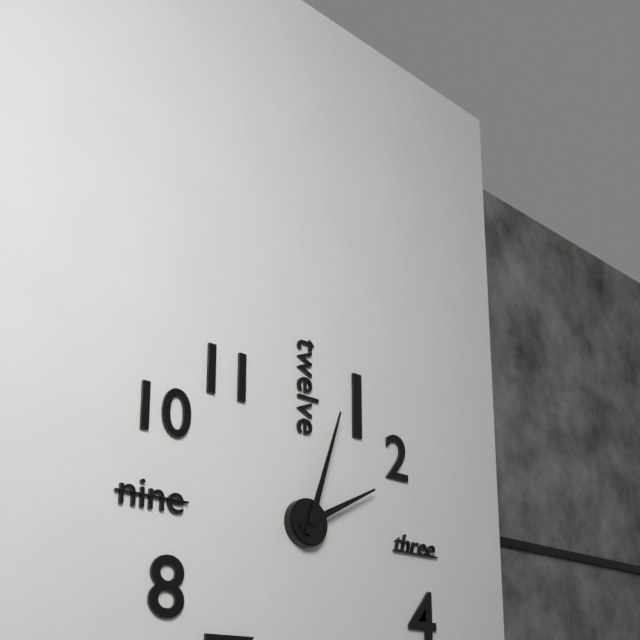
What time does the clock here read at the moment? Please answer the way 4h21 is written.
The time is 2h03
